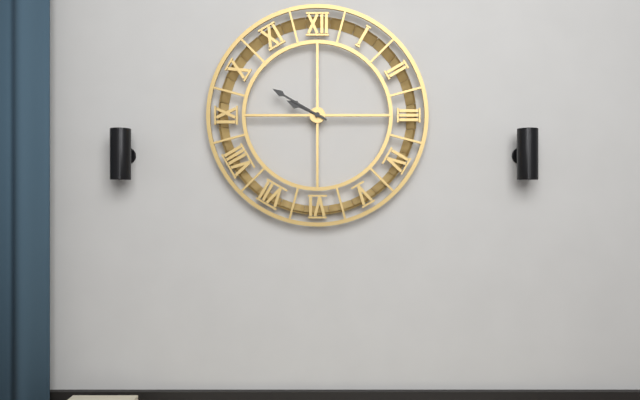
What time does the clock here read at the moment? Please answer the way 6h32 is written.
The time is 9h50
